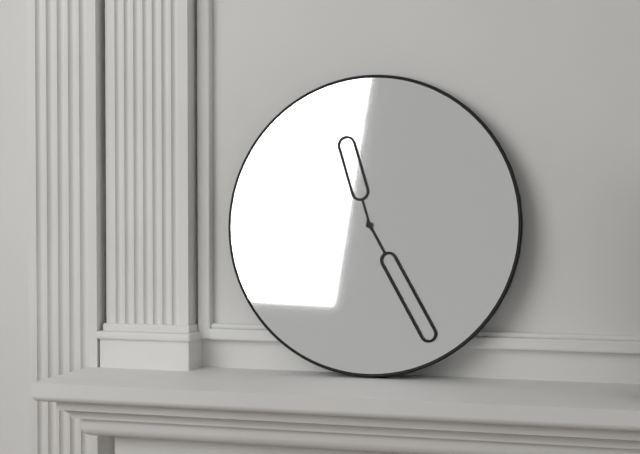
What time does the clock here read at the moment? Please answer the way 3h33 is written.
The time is 11h25
